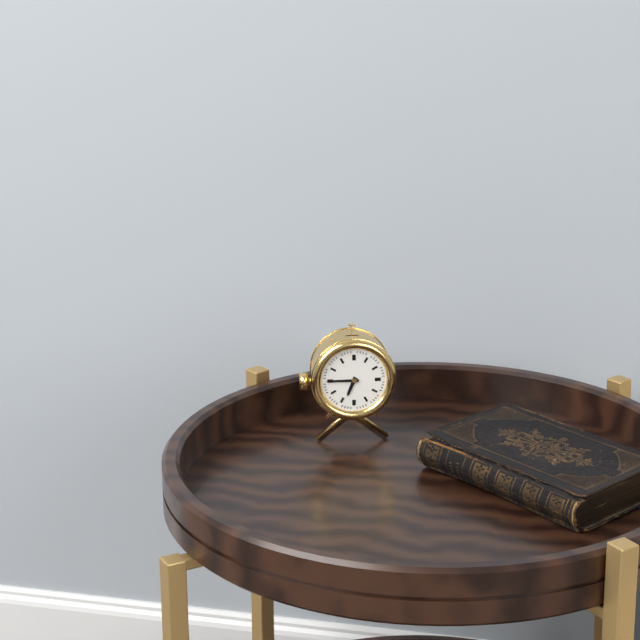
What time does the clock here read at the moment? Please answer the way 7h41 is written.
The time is 6h45
